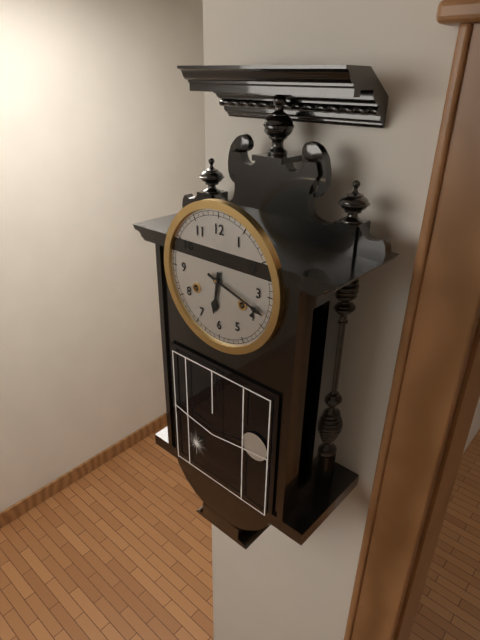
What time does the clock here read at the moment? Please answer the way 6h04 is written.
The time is 6h18
